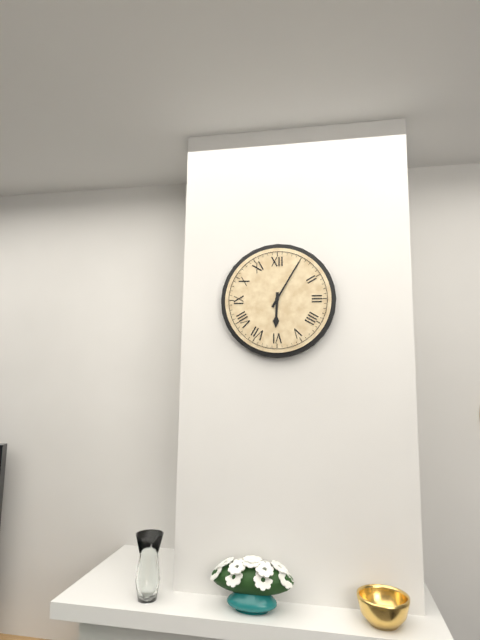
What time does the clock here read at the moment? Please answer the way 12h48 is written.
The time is 6h05
